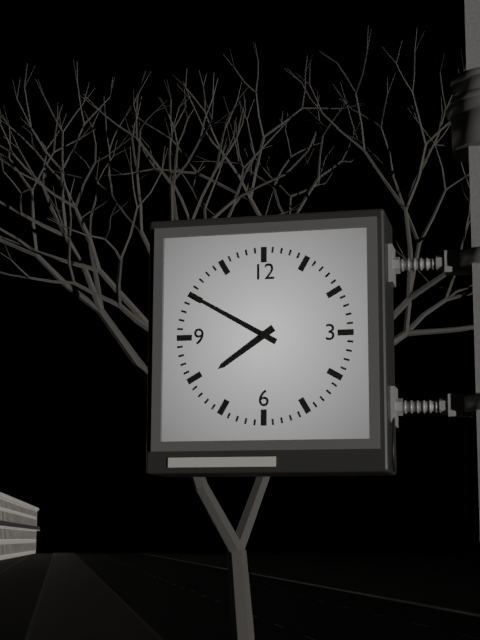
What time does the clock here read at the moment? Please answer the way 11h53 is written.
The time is 7h50
